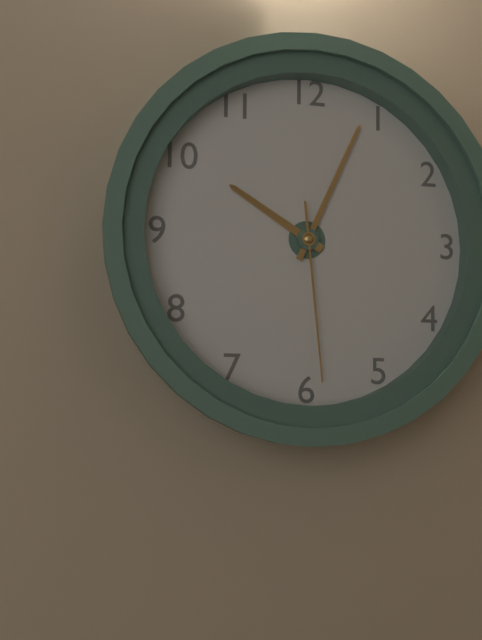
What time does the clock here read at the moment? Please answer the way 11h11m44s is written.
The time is 10h04m29s
